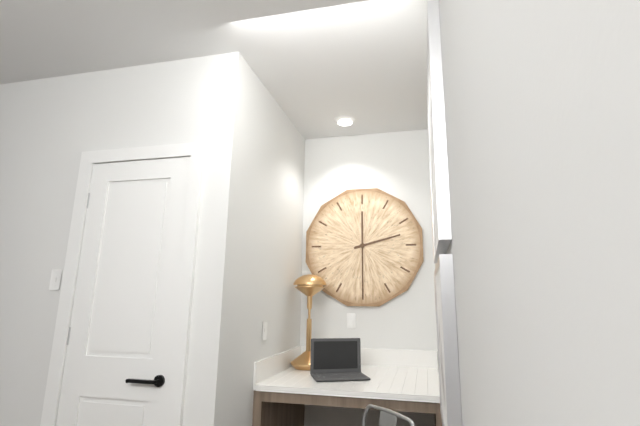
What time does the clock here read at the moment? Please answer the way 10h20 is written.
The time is 2h30
